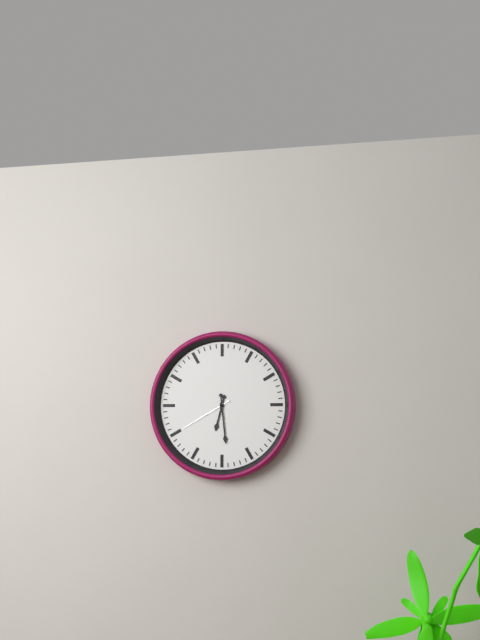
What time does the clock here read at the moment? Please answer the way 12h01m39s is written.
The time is 6h29m40s
